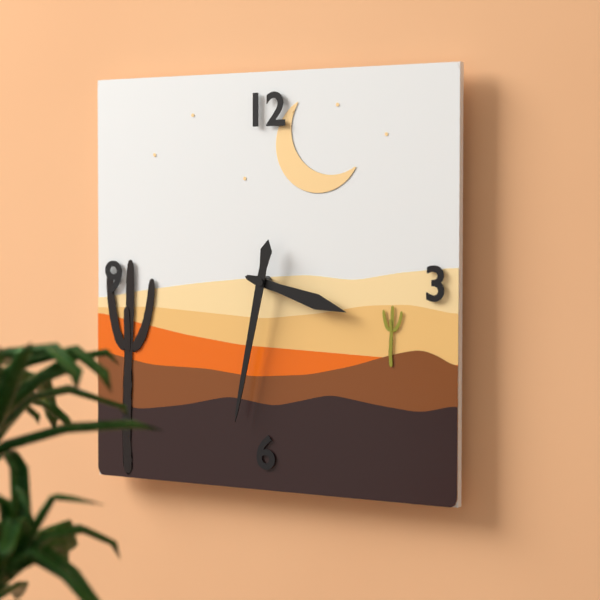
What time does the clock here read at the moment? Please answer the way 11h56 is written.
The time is 3h32
